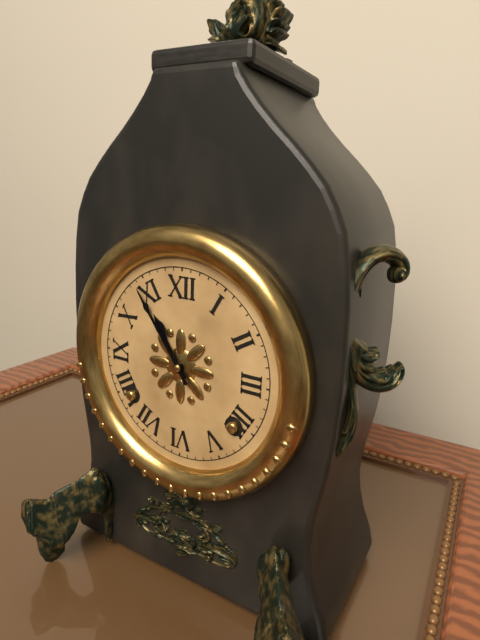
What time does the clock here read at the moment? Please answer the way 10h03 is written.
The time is 10h54
